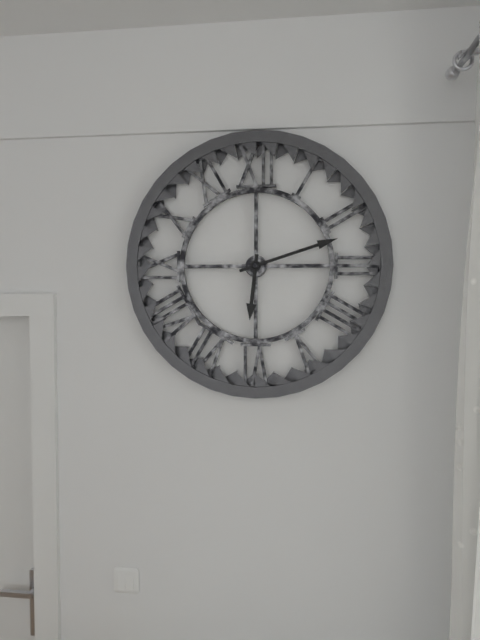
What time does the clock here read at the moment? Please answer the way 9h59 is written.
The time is 6h12
